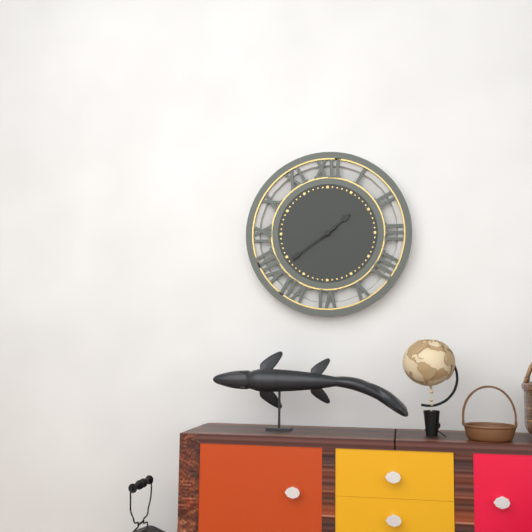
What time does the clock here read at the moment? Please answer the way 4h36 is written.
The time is 1h39
